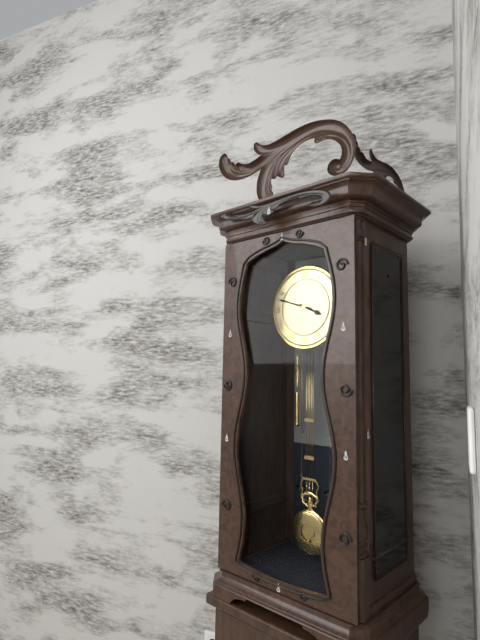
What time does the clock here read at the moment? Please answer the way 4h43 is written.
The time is 3h48
